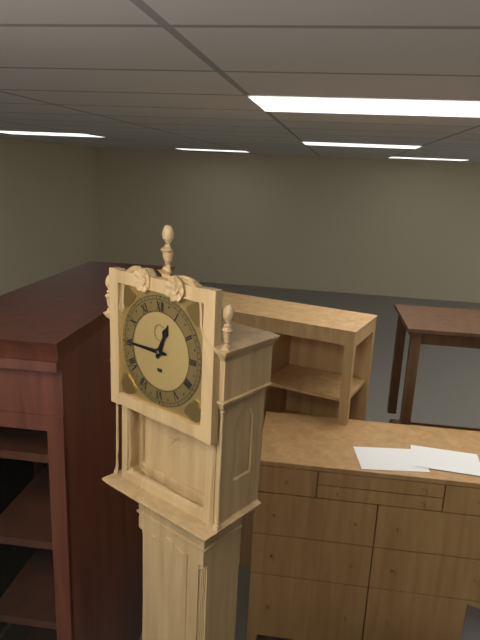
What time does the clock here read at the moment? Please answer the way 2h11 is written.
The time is 12h45
